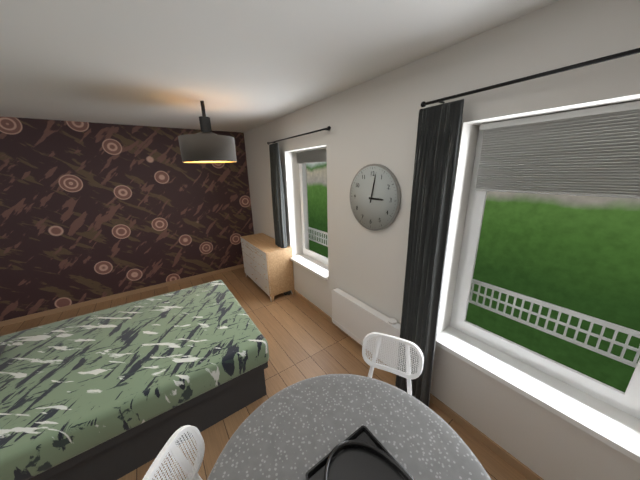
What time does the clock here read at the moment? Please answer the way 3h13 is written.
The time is 3h02
